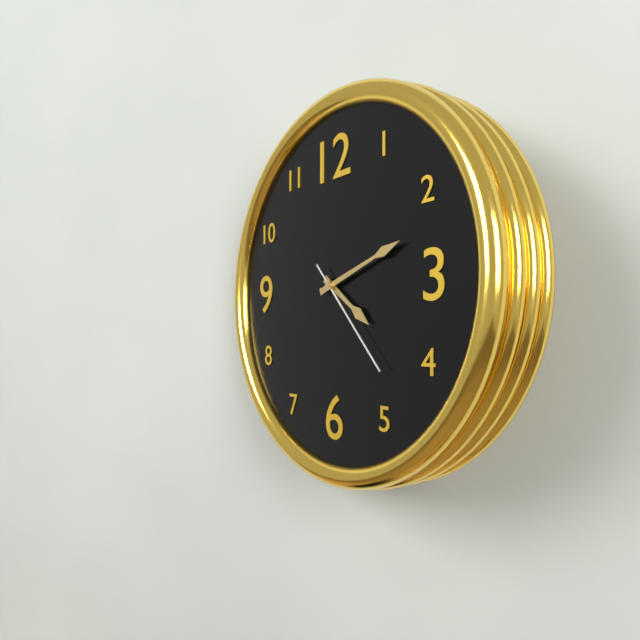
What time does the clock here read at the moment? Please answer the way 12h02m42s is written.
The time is 4h12m23s
